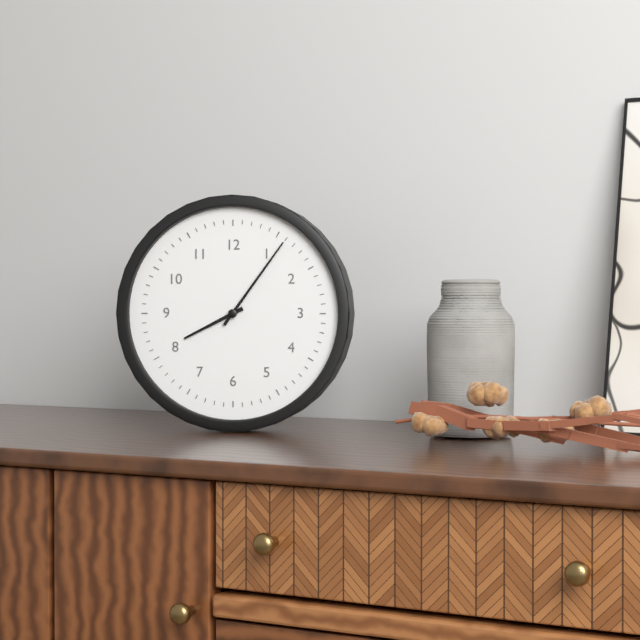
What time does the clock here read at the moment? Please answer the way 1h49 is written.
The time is 8h06
